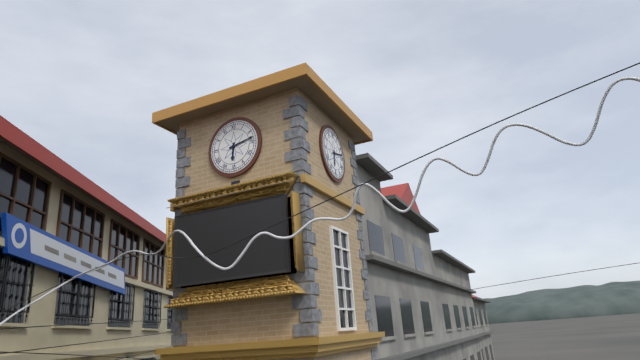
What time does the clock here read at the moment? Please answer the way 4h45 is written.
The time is 6h13
